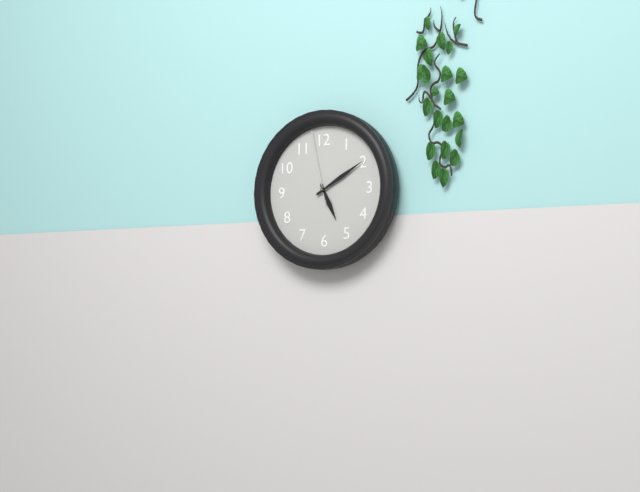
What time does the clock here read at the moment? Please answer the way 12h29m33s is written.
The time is 5h10m58s
